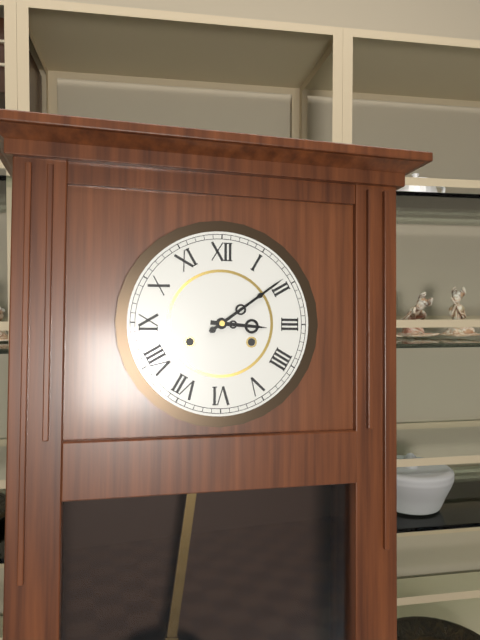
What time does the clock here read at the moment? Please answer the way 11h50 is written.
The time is 3h09
